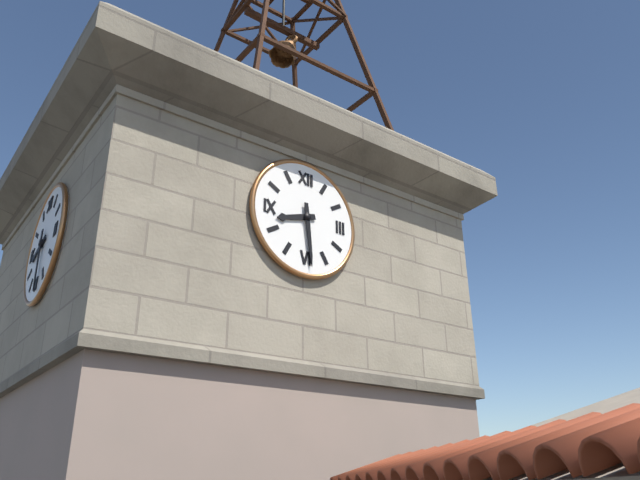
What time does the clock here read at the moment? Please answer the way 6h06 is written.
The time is 8h29
